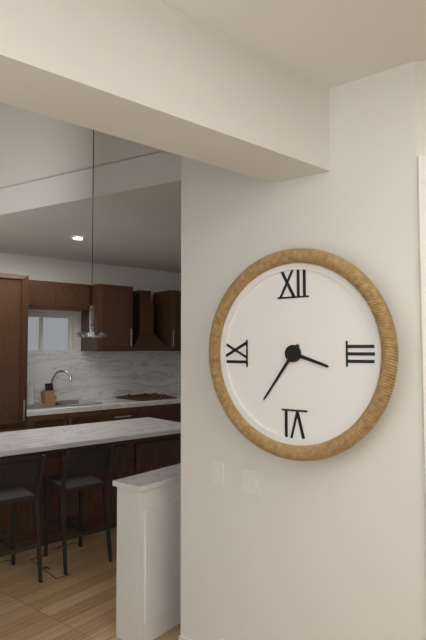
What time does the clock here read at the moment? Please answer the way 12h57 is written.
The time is 3h36
